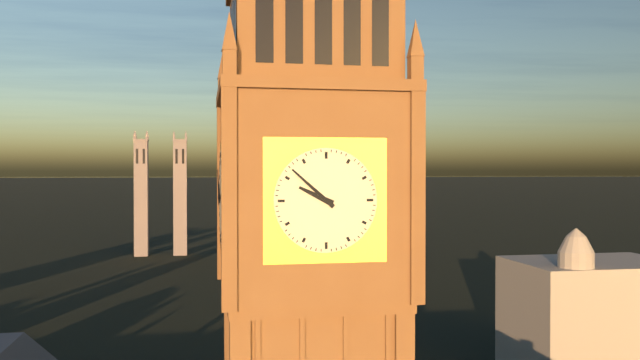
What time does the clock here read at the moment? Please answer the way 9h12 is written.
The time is 9h52
